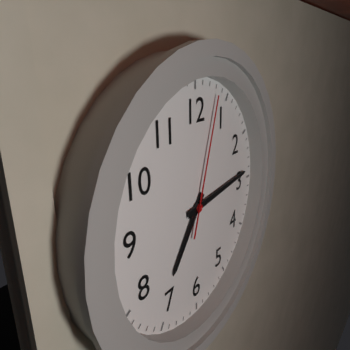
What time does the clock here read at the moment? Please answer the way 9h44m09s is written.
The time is 7h14m03s
